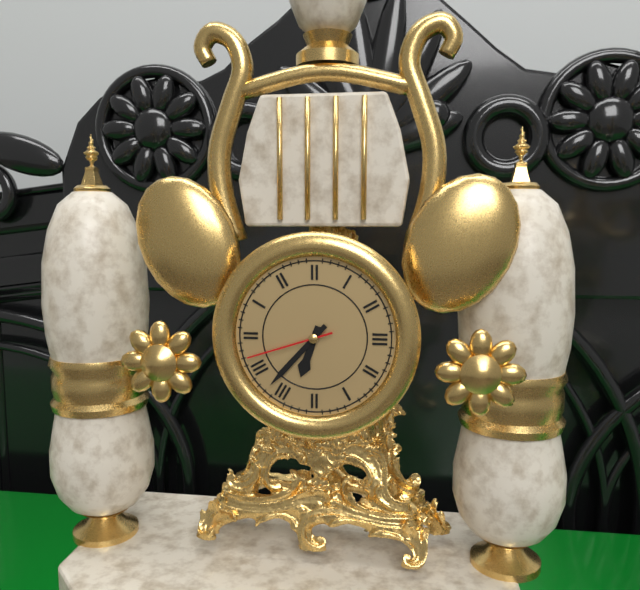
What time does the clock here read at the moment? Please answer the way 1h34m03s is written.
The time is 6h37m42s
